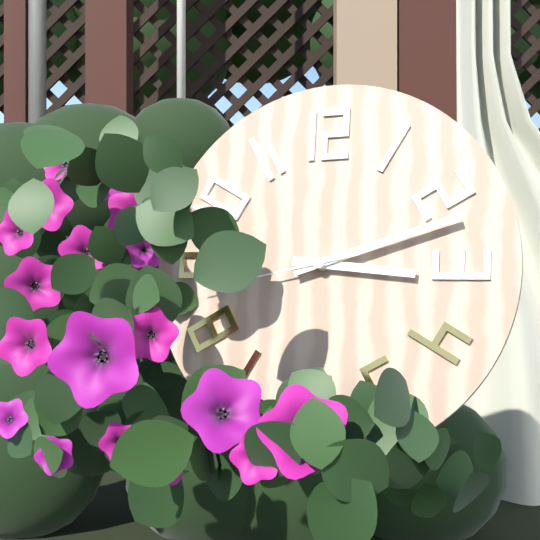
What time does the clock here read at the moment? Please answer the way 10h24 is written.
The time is 3h12
